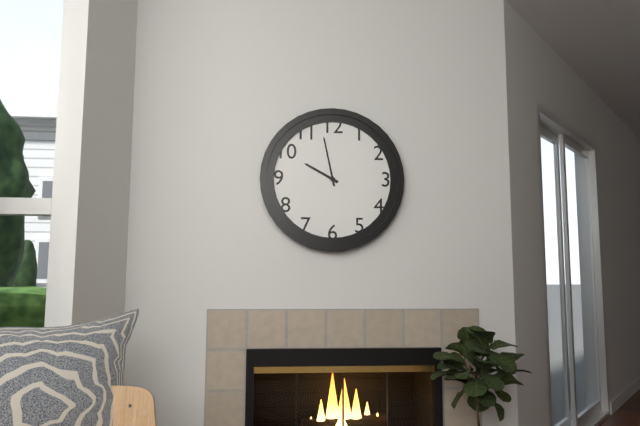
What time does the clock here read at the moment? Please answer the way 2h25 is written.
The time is 9h58
